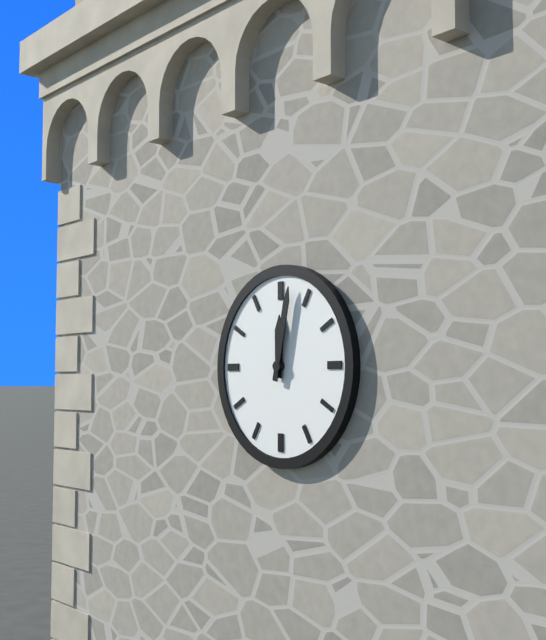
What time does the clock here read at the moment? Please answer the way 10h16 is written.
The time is 12h02
